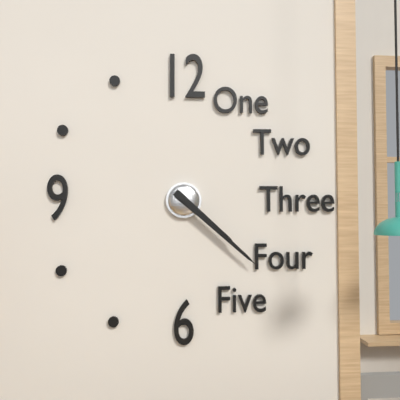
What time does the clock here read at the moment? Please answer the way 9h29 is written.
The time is 4h22
